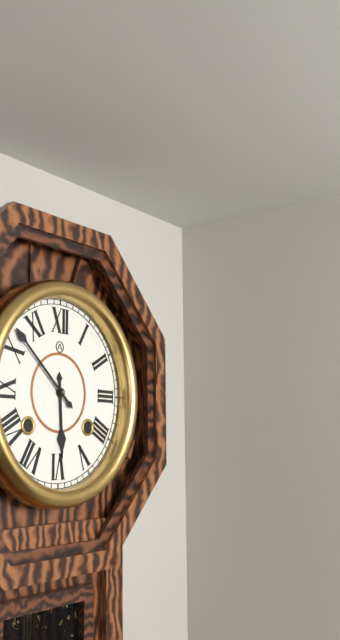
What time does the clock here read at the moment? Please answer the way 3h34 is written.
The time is 5h52
